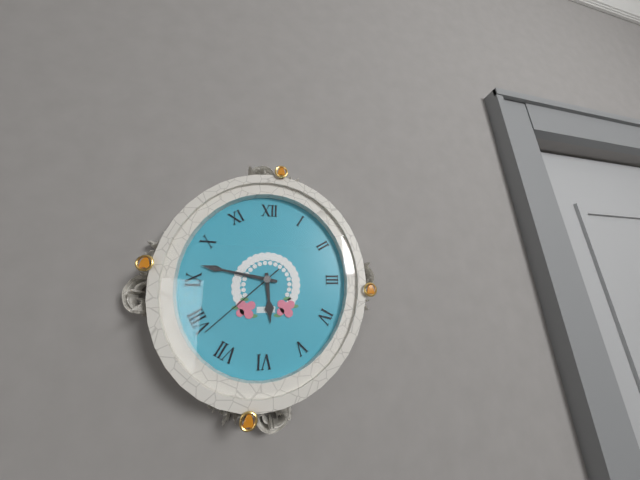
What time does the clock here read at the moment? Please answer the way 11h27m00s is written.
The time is 5h47m38s
